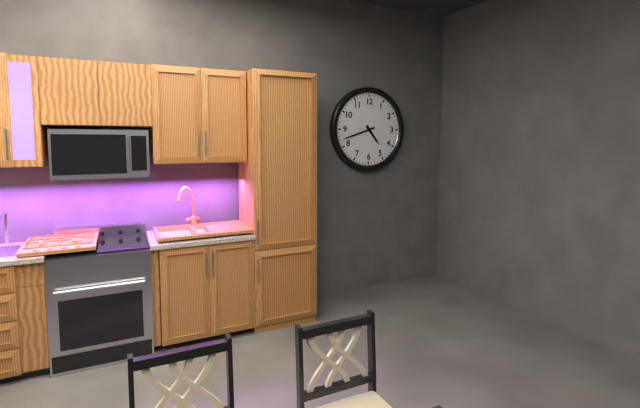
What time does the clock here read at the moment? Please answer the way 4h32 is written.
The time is 4h42
